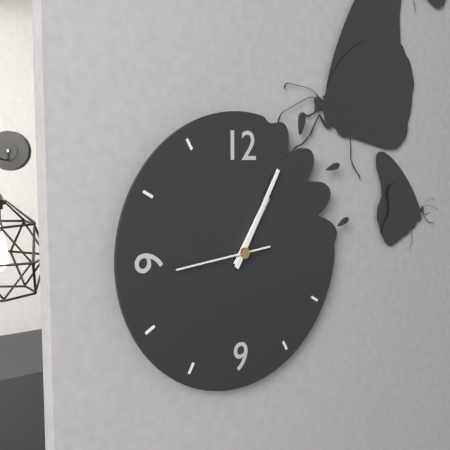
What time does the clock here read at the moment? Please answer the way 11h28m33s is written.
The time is 1h05m44s
